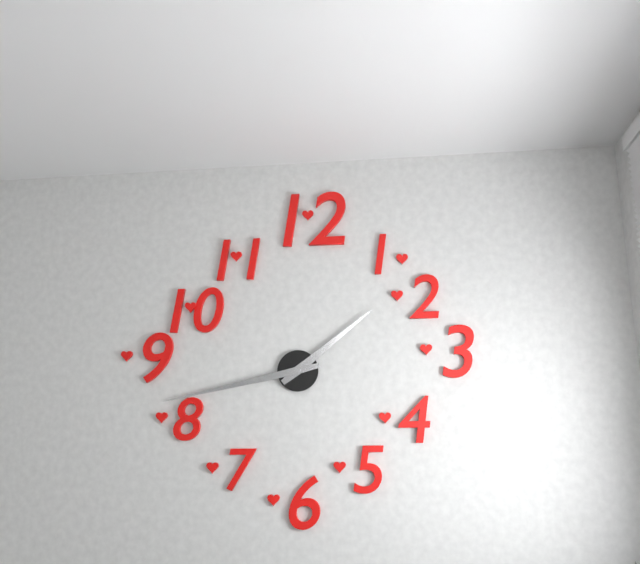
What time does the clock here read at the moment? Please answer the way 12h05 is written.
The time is 1h43
